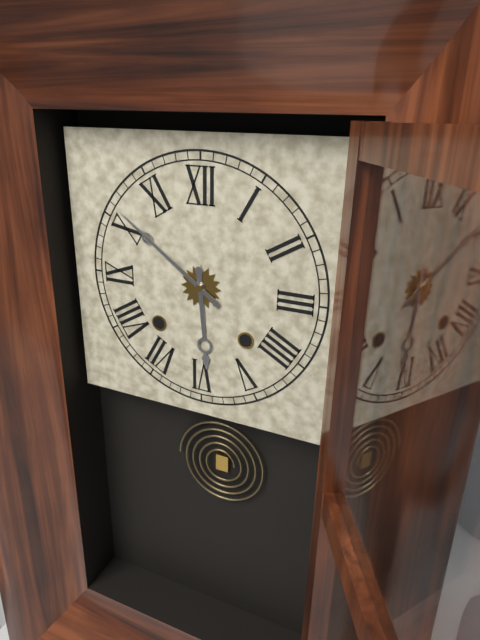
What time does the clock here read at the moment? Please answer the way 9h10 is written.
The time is 5h51
